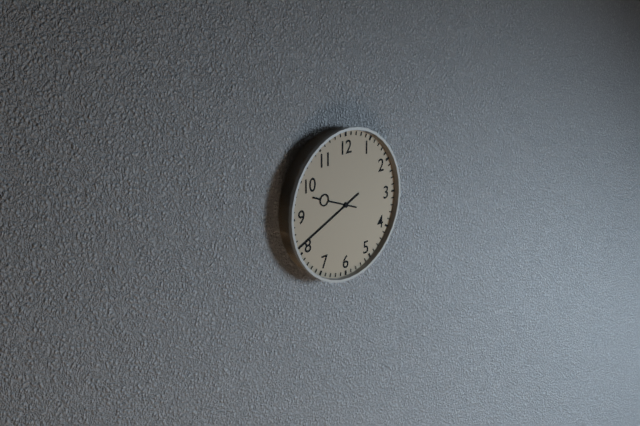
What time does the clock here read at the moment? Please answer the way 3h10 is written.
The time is 9h41
